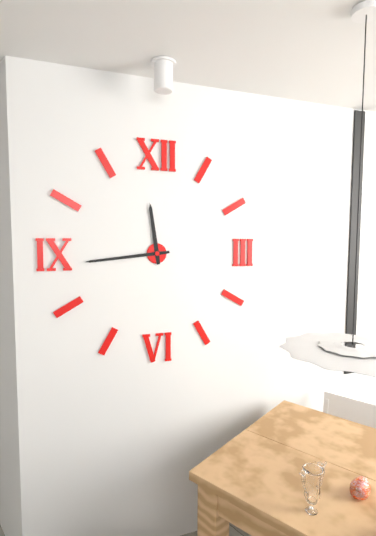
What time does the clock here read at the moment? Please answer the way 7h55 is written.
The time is 11h44
